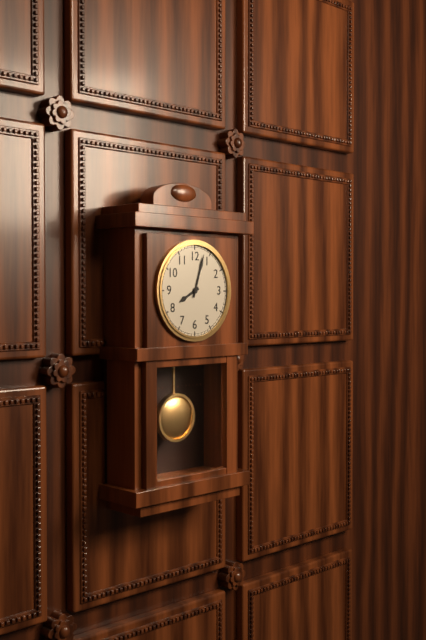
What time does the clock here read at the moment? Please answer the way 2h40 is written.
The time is 8h03
